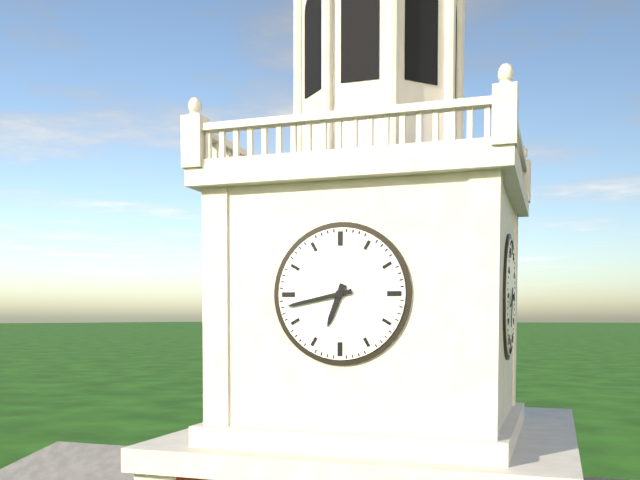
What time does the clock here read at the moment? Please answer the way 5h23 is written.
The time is 6h43
